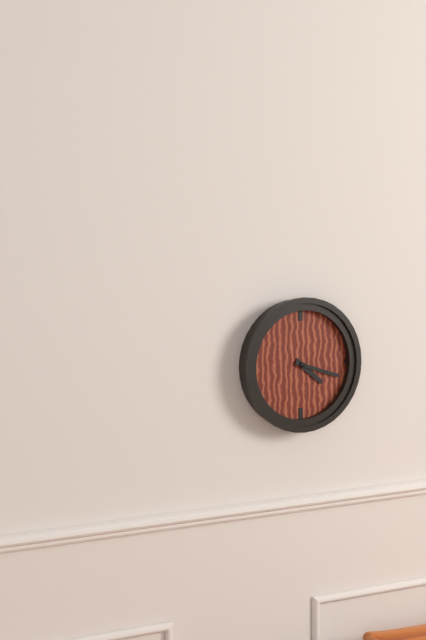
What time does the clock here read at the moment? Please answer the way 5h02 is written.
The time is 4h18
